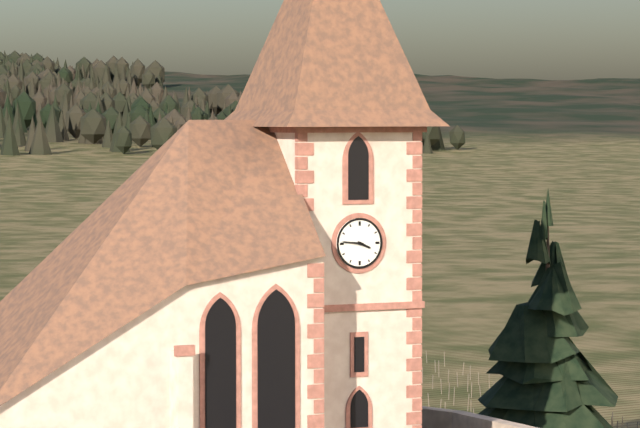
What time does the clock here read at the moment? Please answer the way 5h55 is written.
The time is 3h46
